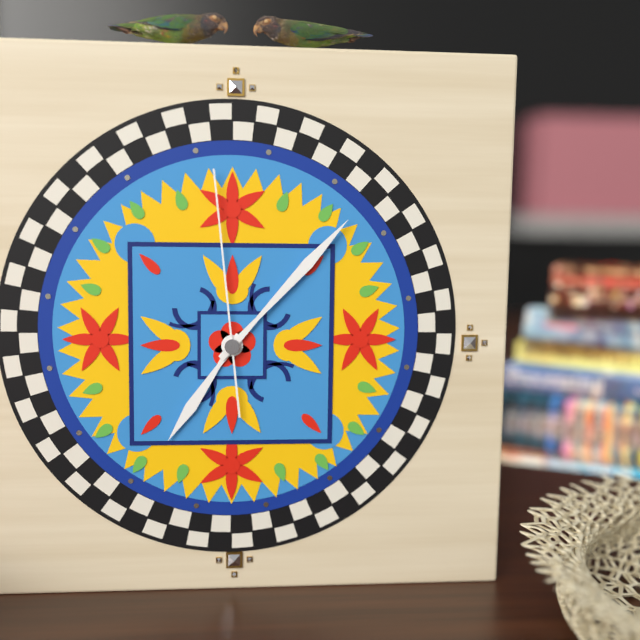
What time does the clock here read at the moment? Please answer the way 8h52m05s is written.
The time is 7h07m59s
